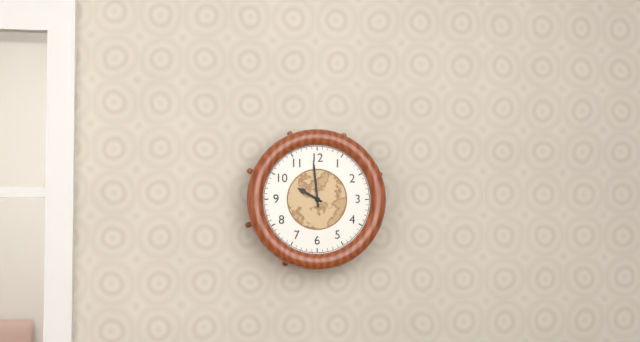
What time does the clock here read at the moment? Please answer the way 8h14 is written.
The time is 9h59
